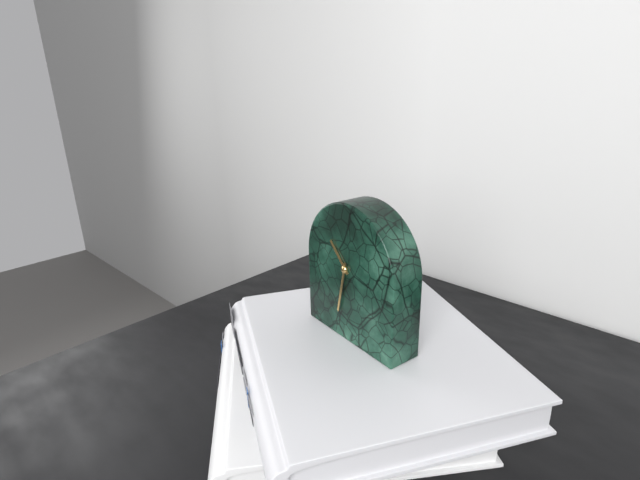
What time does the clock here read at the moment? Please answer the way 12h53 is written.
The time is 10h32
